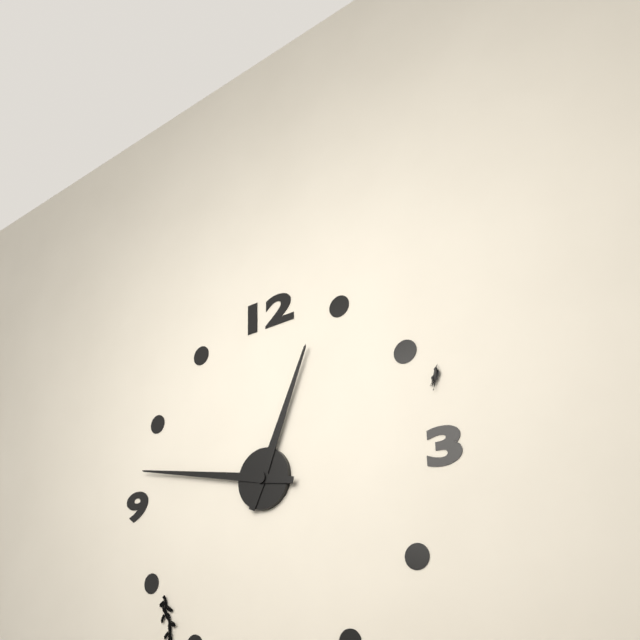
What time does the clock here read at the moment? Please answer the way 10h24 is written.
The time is 12h47
